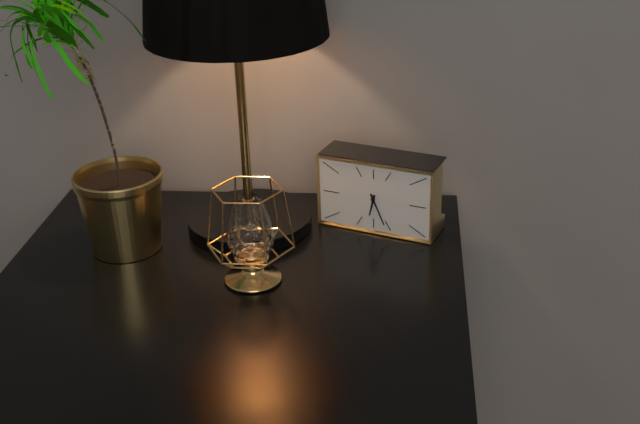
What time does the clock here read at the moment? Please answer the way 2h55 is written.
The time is 6h26
